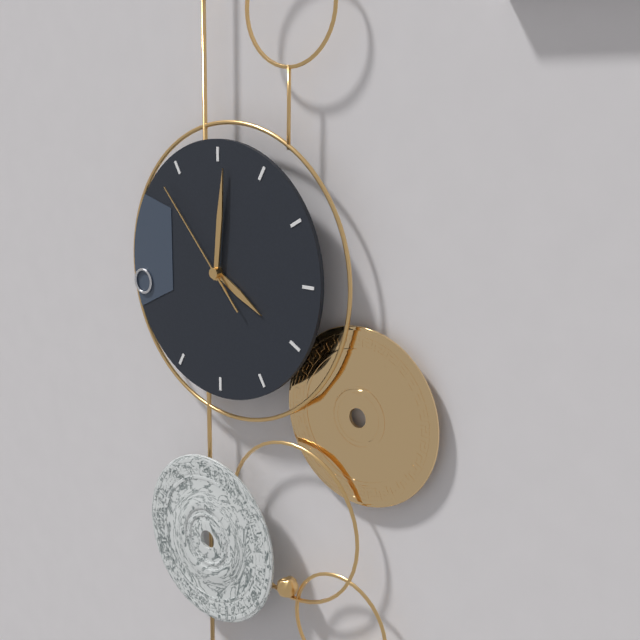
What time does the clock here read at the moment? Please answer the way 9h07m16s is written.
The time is 4h01m53s
